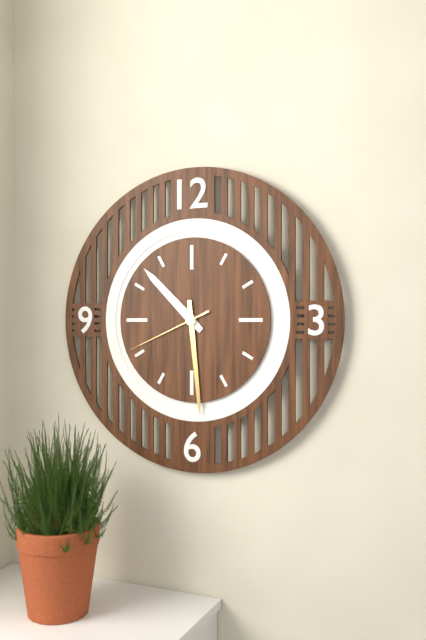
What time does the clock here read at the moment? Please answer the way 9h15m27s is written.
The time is 10h29m41s
